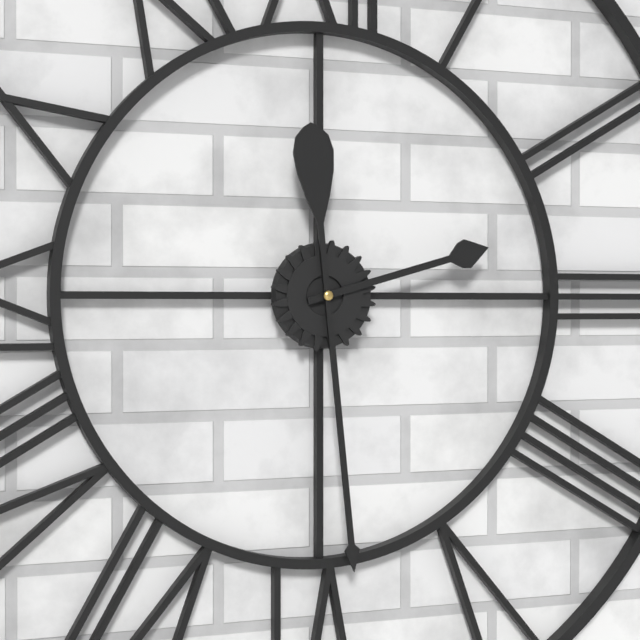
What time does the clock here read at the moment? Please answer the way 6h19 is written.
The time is 2h29
